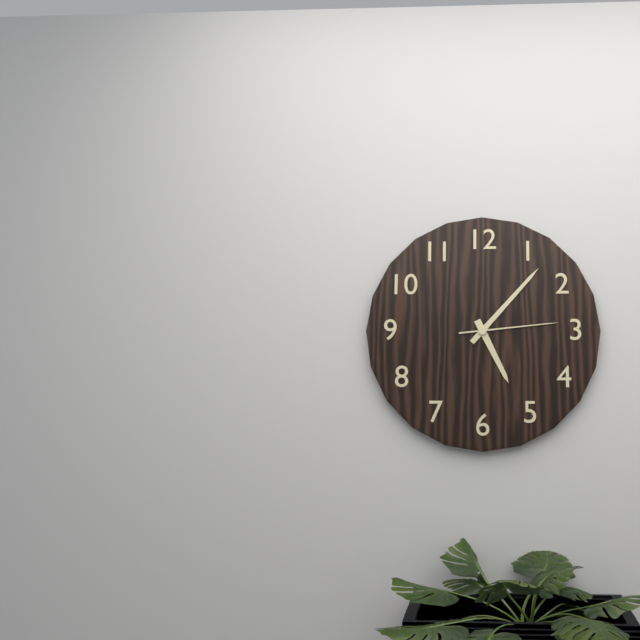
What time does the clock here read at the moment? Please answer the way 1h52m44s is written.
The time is 5h07m14s
